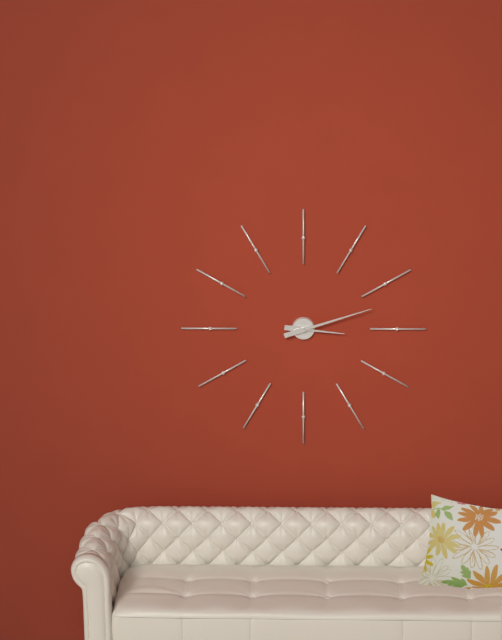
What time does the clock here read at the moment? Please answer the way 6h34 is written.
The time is 3h12
